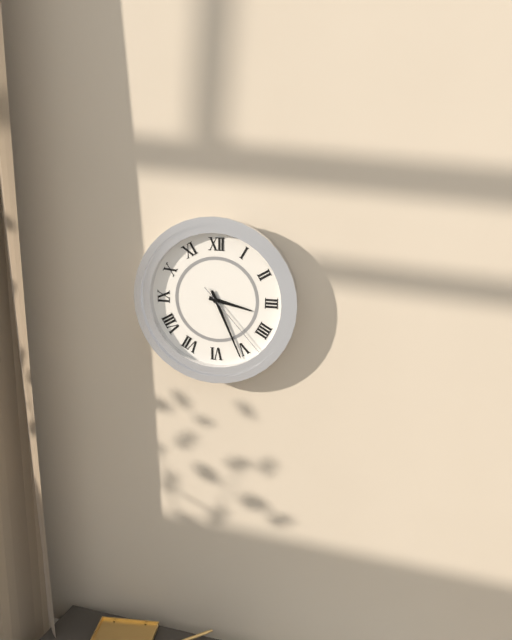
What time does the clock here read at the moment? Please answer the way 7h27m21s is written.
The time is 3h26m23s
